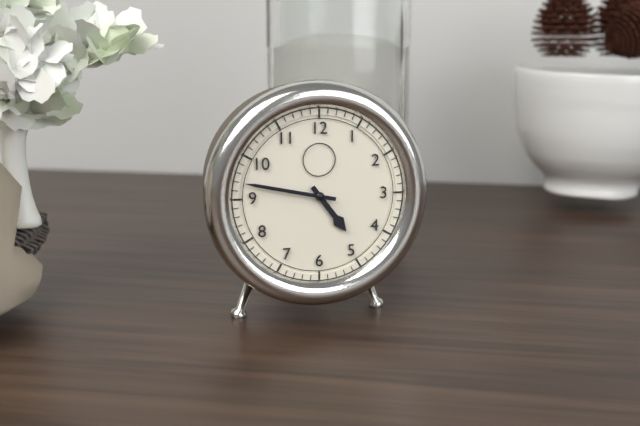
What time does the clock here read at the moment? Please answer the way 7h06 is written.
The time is 4h47
